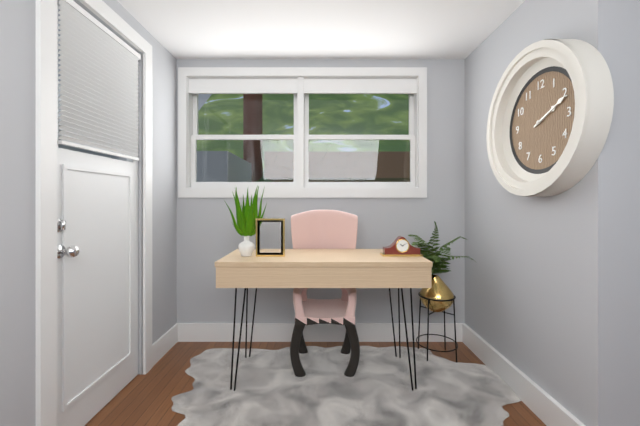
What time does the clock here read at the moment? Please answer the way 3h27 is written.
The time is 2h11
